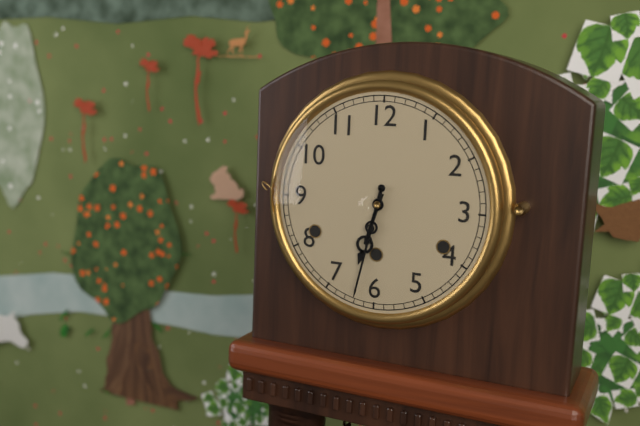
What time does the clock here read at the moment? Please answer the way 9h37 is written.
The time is 6h32
